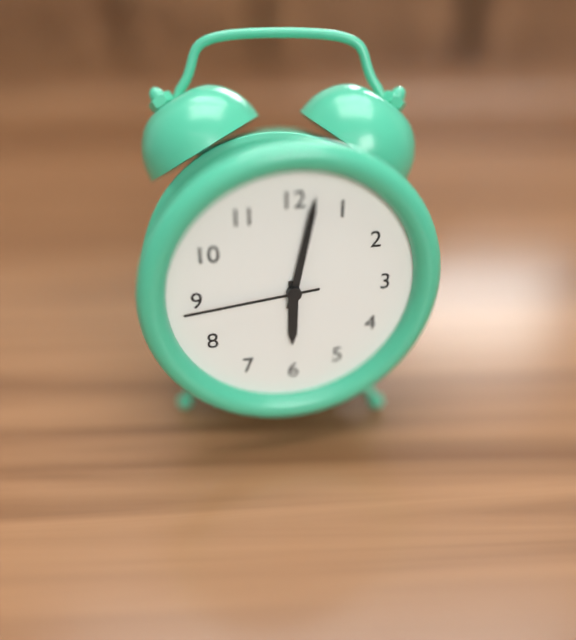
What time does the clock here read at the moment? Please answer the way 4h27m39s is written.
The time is 6h02m44s
